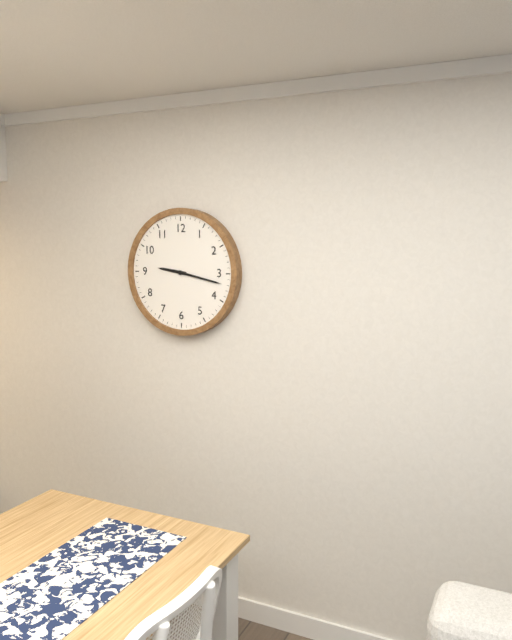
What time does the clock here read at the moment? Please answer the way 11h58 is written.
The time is 9h17
